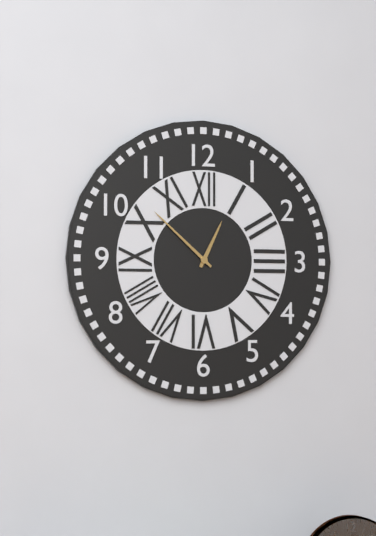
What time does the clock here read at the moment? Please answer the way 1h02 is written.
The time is 12h52
